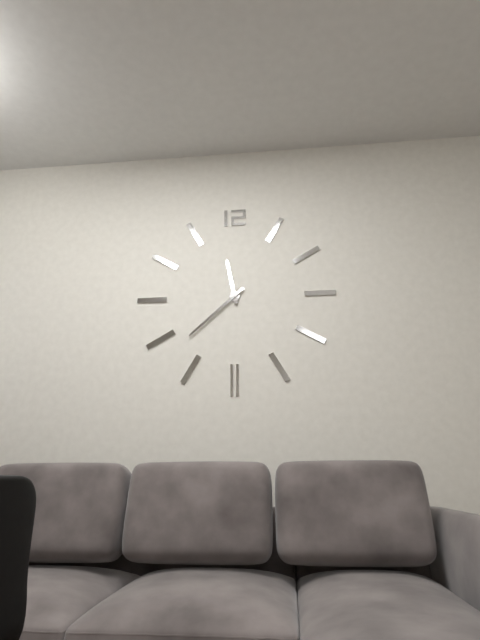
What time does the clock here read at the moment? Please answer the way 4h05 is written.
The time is 11h38
